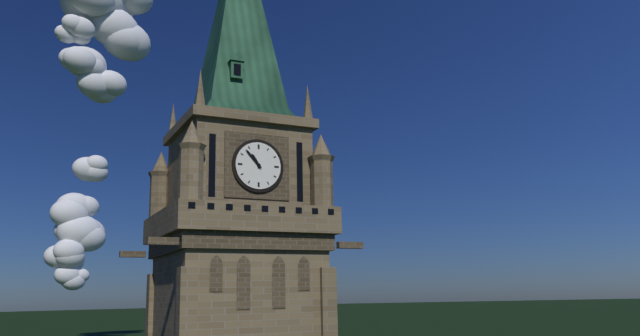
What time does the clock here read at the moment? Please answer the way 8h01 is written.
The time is 10h53
